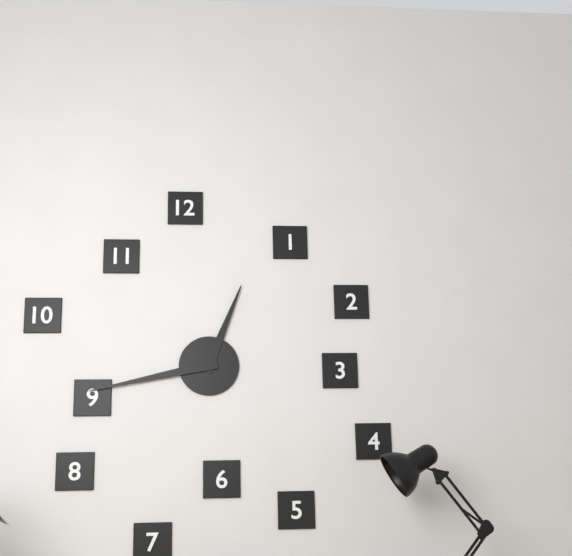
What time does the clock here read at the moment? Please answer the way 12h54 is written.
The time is 12h43
